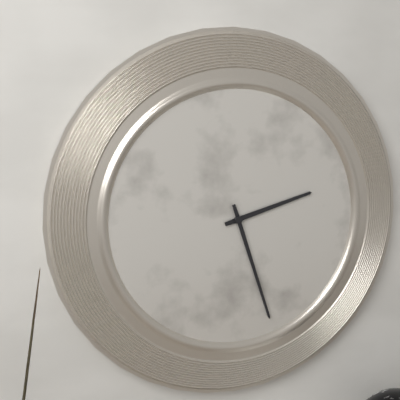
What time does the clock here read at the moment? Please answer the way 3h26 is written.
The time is 2h27
